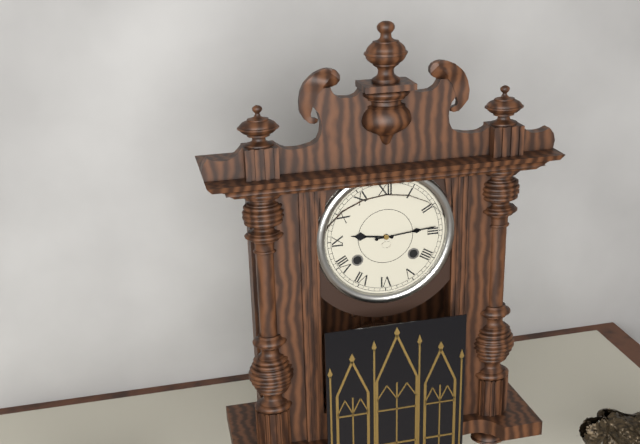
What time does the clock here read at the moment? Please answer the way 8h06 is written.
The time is 9h14
